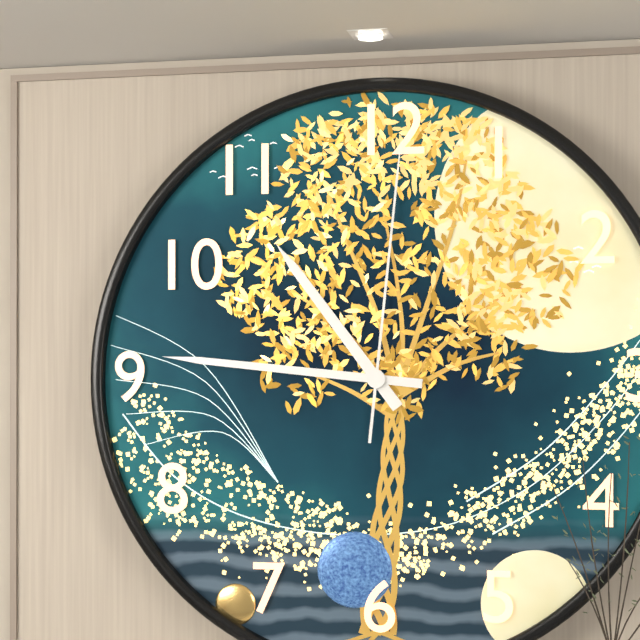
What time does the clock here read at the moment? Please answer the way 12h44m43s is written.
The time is 10h46m01s
